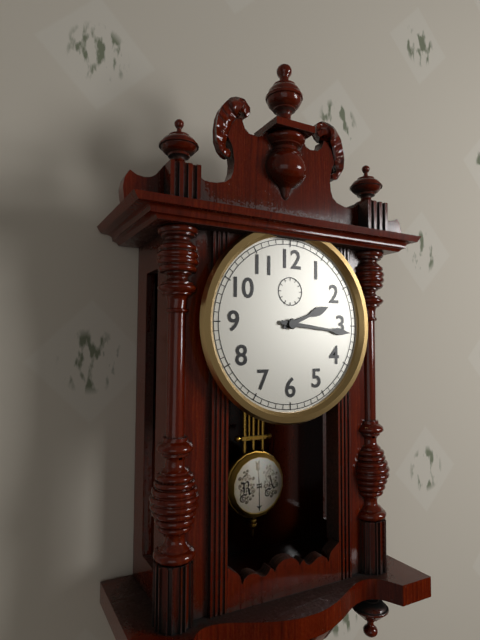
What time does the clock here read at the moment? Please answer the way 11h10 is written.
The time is 2h16
